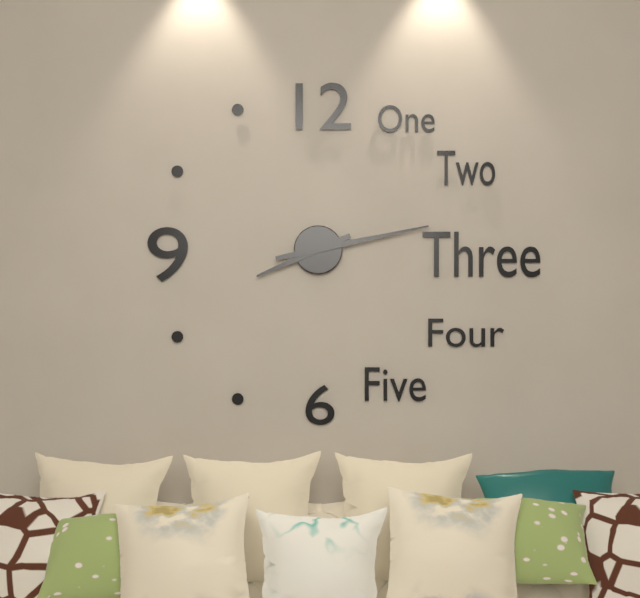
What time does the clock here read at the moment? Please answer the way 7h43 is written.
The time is 8h13
